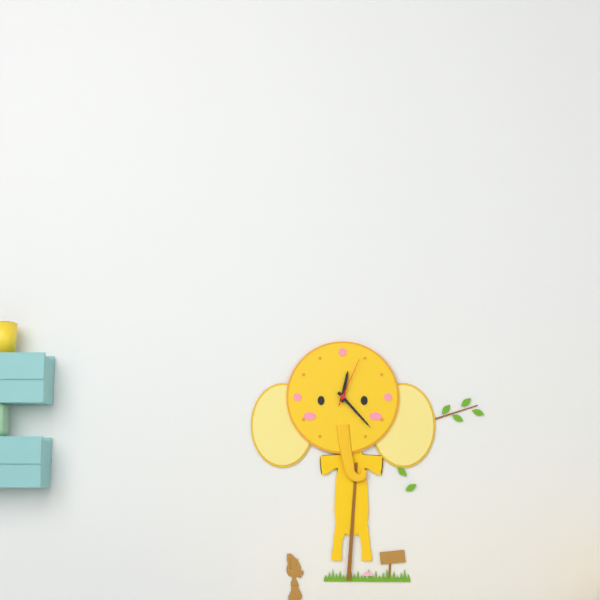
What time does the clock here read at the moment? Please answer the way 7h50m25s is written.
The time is 12h23m04s
